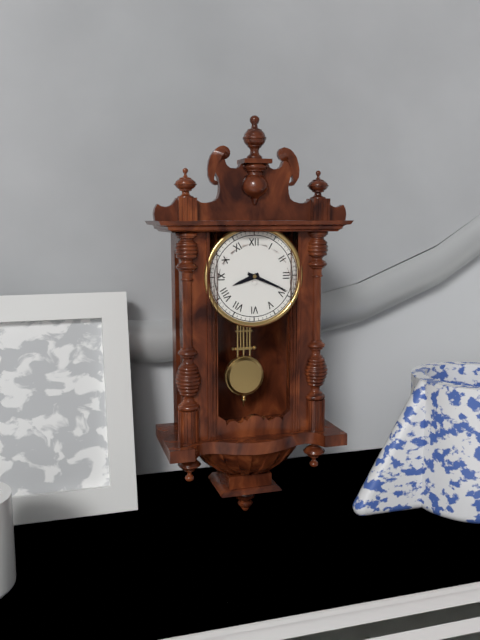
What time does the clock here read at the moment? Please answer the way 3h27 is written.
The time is 8h19
